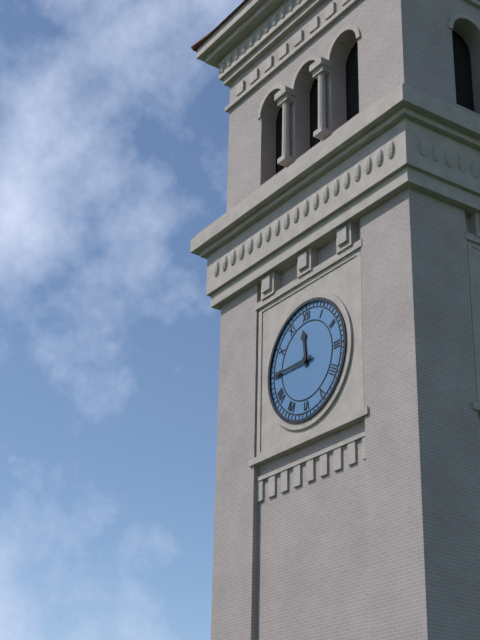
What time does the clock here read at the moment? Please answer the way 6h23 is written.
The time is 11h45
